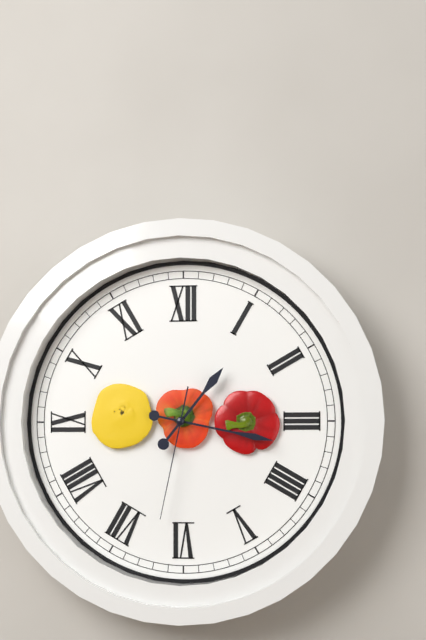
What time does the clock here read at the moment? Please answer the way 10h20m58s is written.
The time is 1h17m32s
